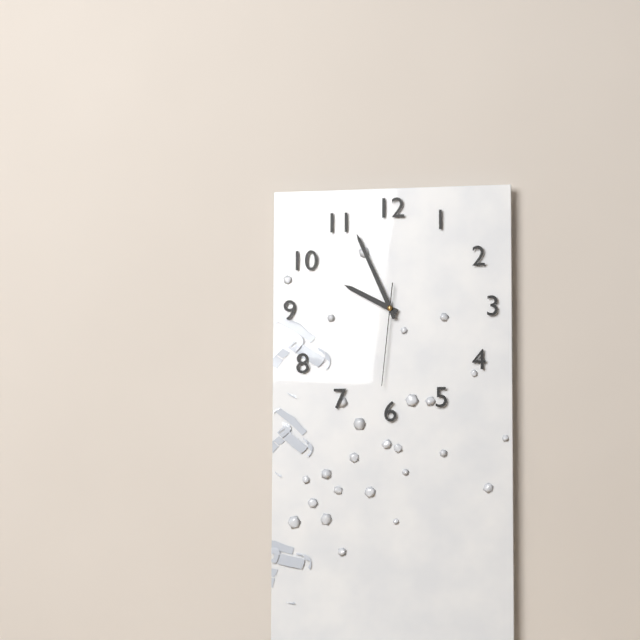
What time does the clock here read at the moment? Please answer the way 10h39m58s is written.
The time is 9h56m31s
